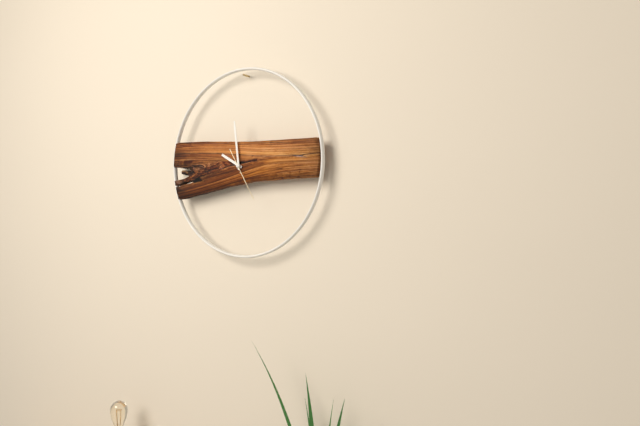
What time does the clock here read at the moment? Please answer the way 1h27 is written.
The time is 9h59
